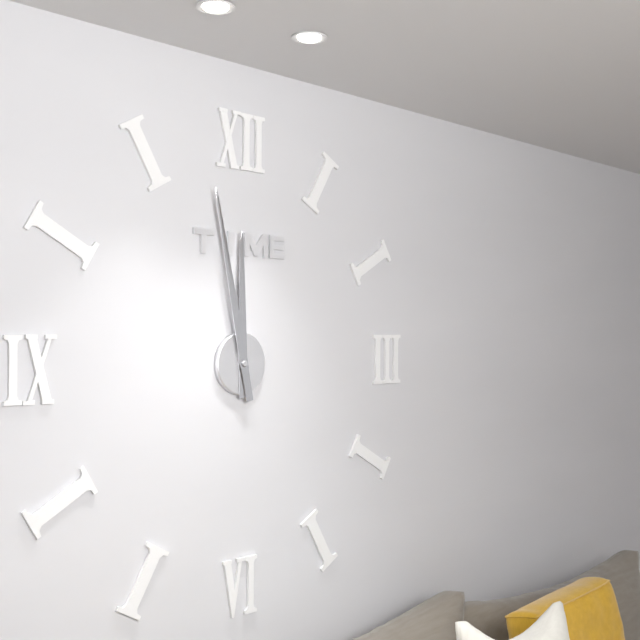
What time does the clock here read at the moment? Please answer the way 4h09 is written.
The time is 11h58
